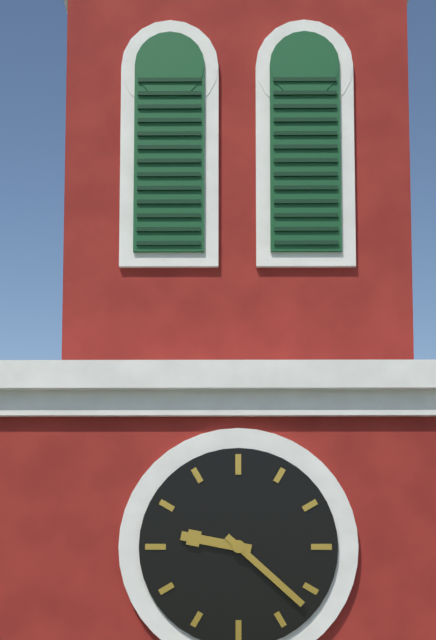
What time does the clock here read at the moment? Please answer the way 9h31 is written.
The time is 9h22
